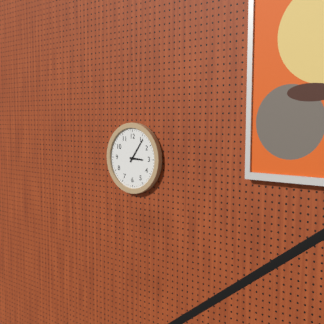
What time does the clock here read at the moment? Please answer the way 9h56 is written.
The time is 3h06
